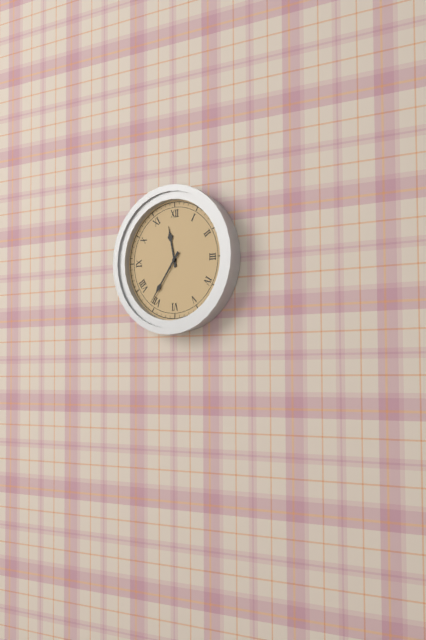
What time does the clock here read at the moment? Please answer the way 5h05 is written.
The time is 11h36
